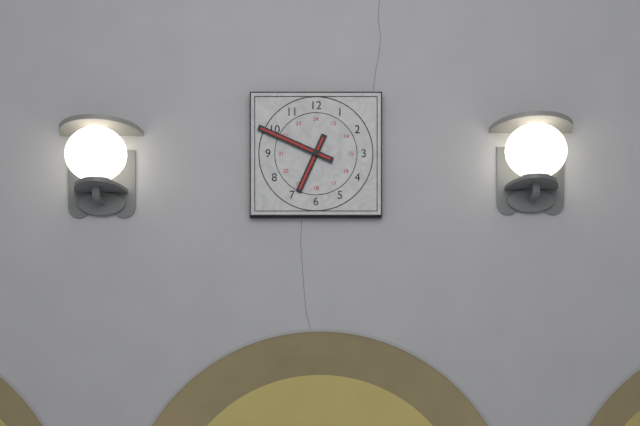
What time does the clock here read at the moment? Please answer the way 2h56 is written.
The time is 6h49
